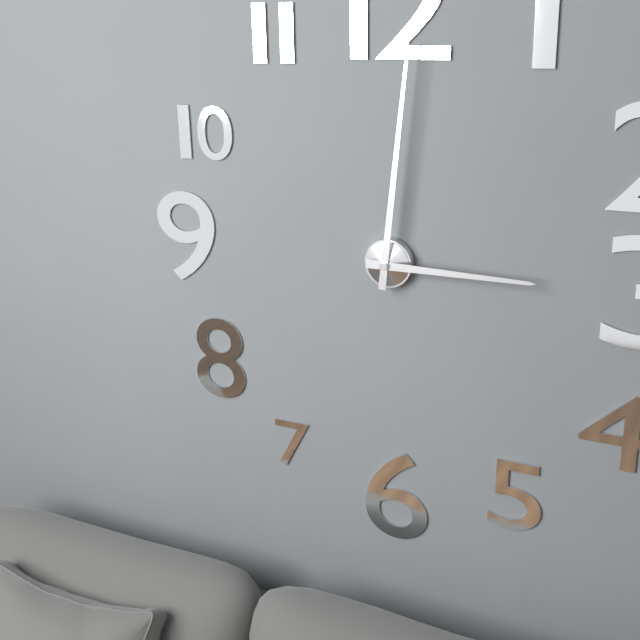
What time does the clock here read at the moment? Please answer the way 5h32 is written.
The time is 3h01
